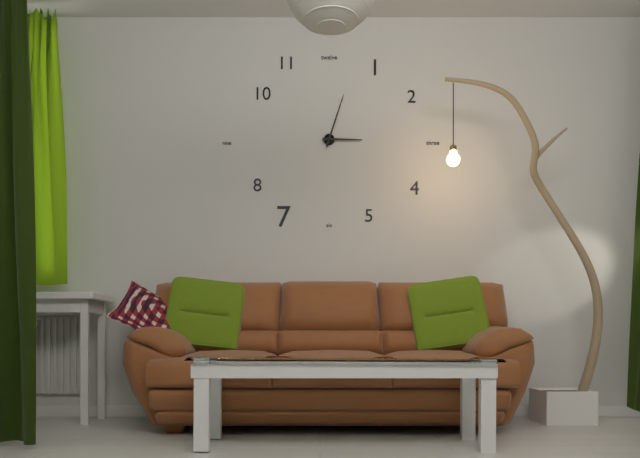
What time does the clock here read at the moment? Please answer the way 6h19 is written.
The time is 3h03
